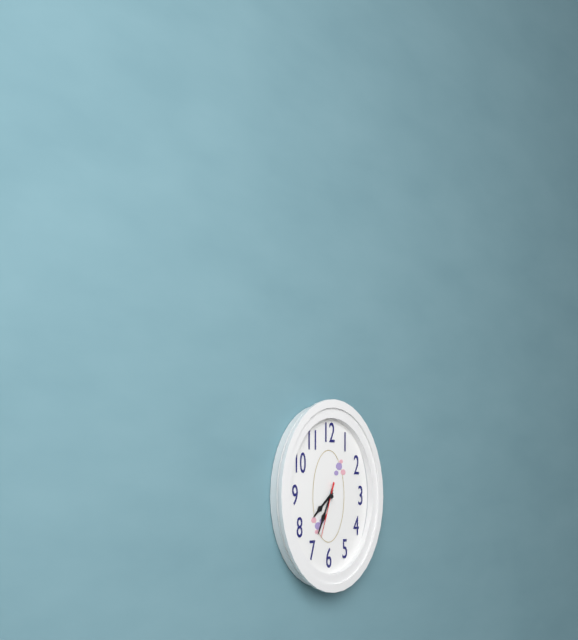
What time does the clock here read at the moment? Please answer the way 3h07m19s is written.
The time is 7h34m33s
